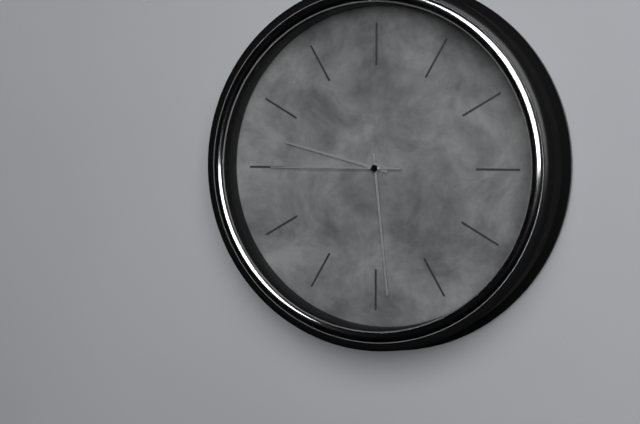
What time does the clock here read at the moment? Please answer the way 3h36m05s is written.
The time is 9h29m45s
